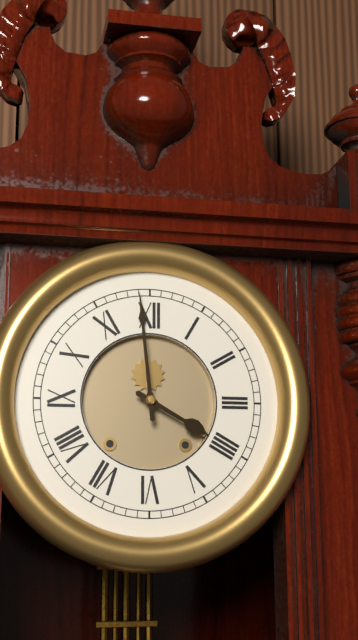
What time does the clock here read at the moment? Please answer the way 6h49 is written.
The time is 3h59
